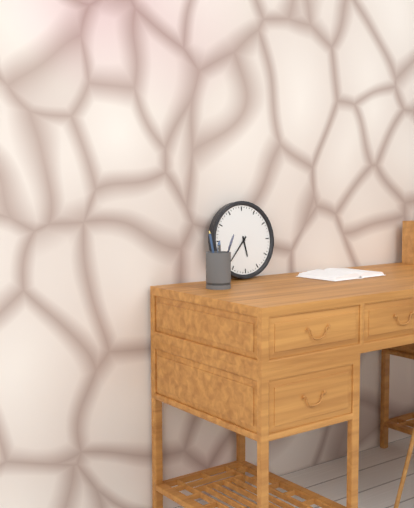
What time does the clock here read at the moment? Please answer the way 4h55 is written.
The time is 5h37
